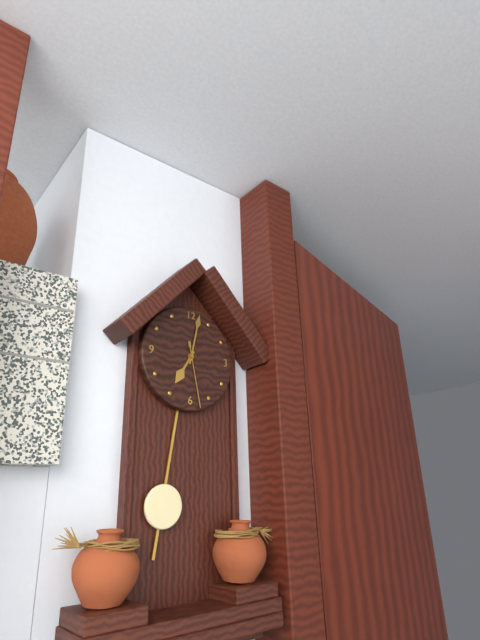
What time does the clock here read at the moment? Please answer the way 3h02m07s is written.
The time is 7h02m28s
